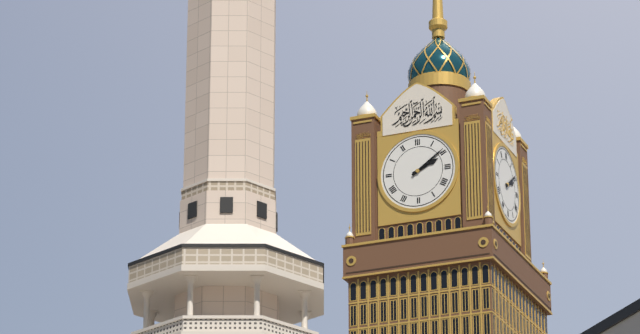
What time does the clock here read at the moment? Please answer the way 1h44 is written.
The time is 2h09
